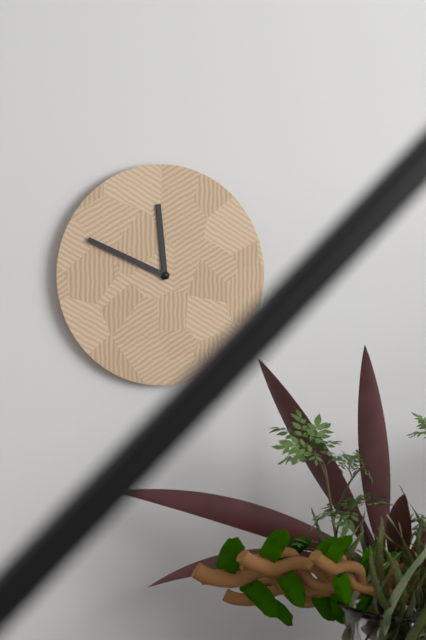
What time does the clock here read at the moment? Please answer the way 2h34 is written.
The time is 11h49
